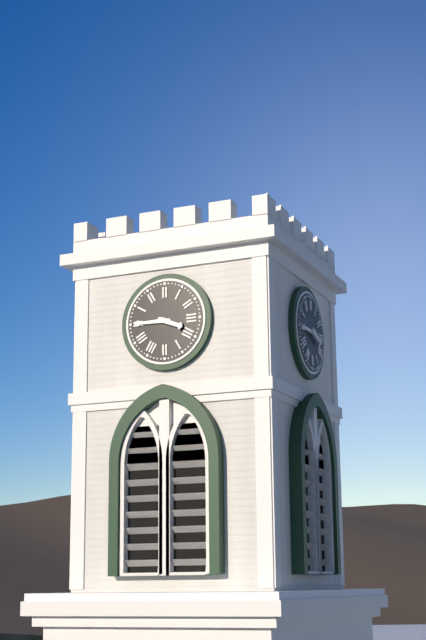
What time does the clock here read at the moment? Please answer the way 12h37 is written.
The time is 3h45
